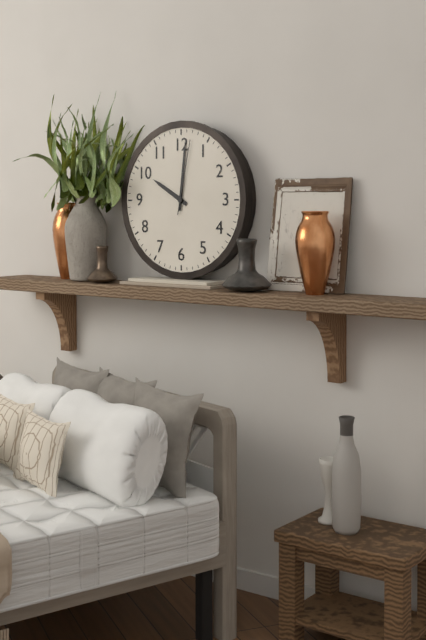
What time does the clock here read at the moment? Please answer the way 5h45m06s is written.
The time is 10h01m02s
